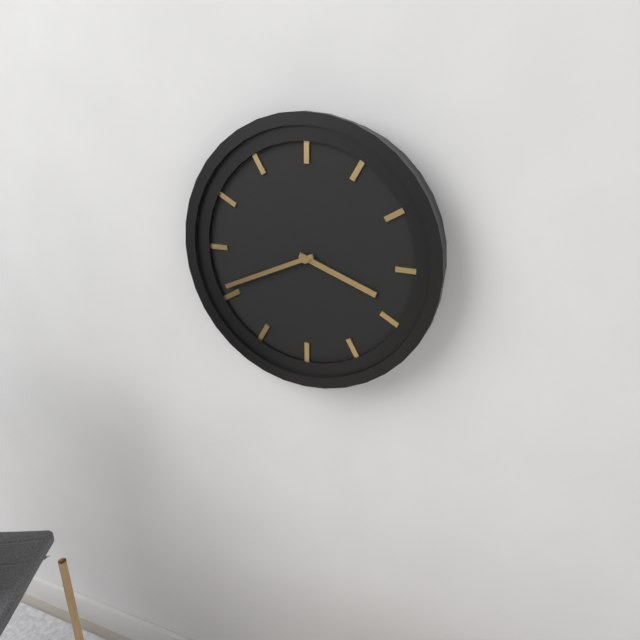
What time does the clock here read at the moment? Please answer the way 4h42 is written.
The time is 3h41
